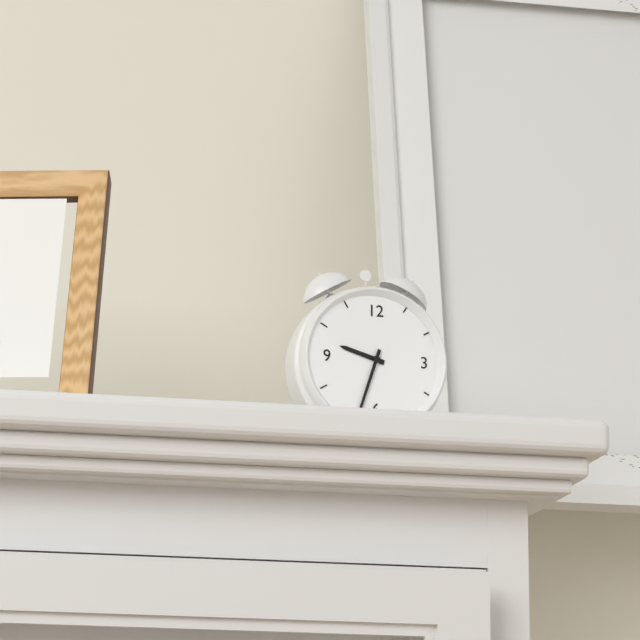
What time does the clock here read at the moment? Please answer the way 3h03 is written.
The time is 9h33
